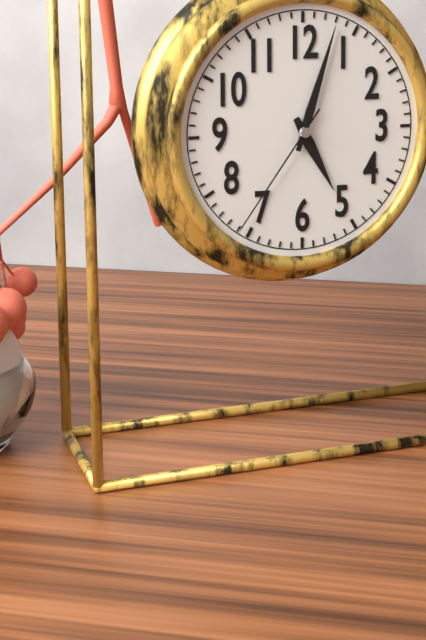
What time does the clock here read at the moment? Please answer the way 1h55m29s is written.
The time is 5h03m36s
